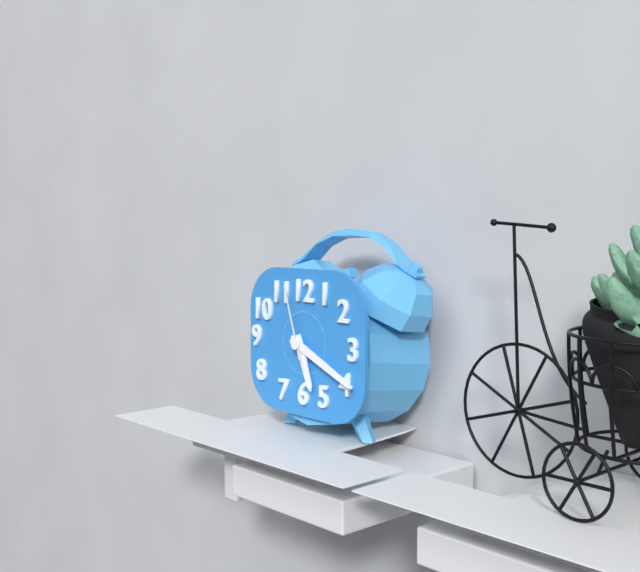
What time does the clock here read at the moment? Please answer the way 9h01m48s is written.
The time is 5h19m57s
